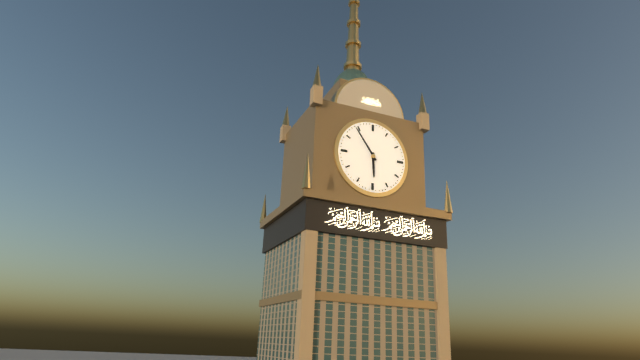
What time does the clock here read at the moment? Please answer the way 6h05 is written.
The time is 5h54
